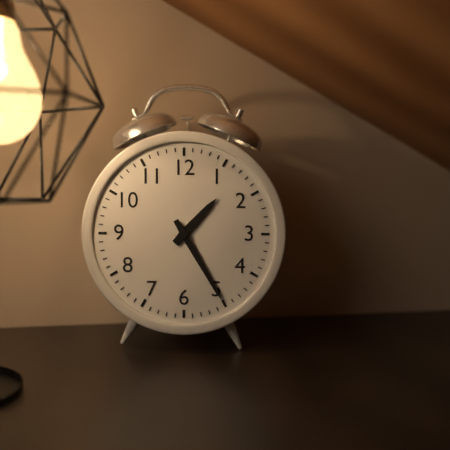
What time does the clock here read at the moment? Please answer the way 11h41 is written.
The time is 1h25
